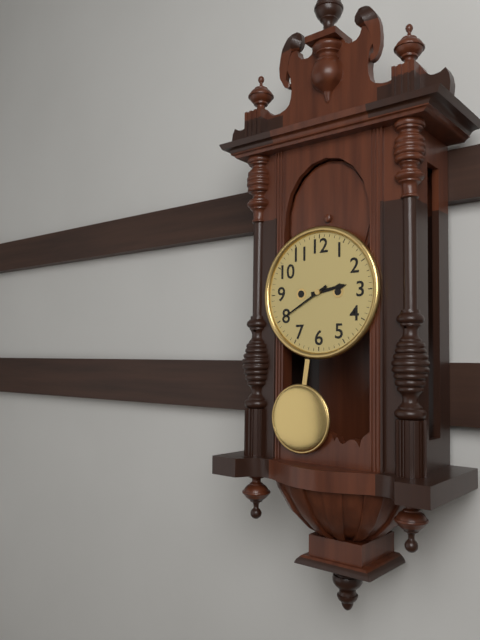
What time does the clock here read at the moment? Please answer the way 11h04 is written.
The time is 2h40
